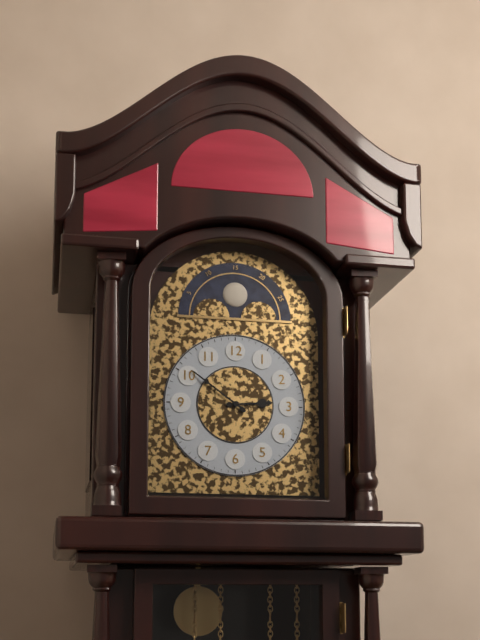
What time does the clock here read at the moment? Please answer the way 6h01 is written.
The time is 2h51
